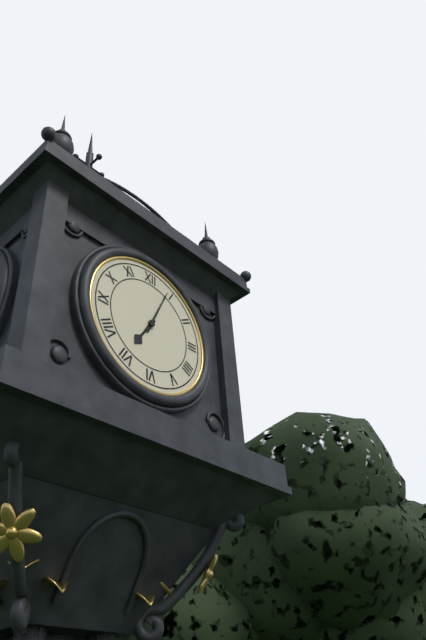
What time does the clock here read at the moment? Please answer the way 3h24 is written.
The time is 7h04
